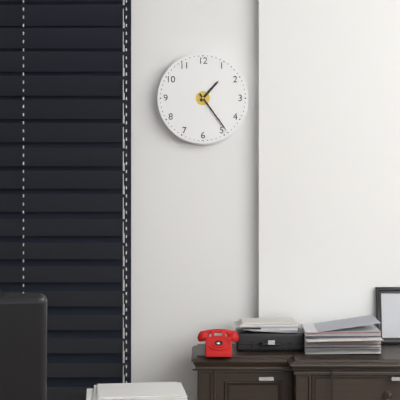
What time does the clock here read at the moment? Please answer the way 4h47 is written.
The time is 1h24
